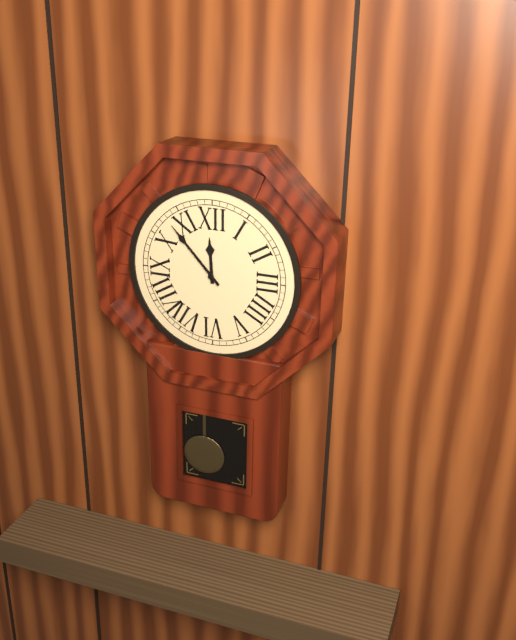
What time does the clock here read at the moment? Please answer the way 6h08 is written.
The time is 11h53
